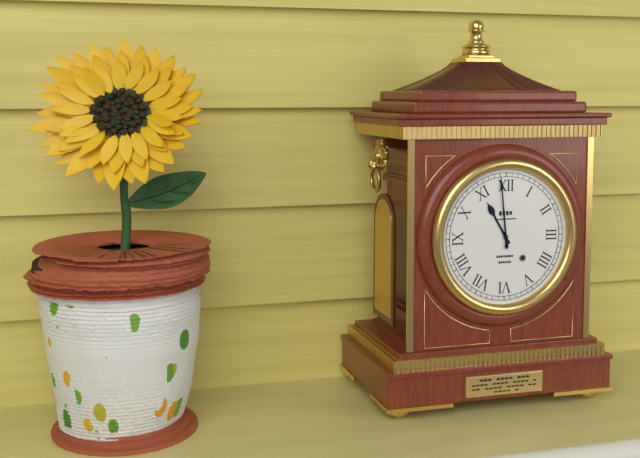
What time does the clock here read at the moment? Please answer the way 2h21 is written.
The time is 10h59
